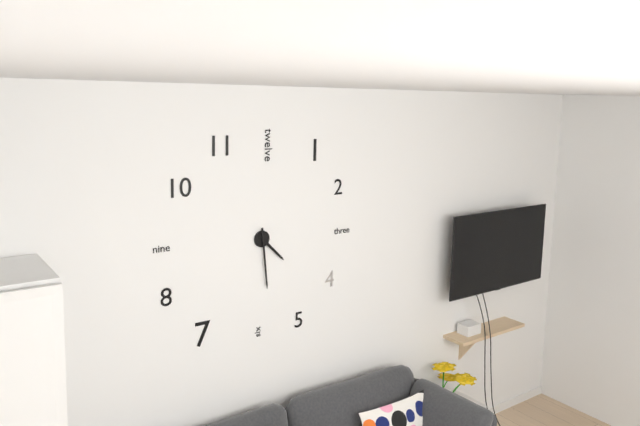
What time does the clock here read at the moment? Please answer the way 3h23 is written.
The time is 4h29
